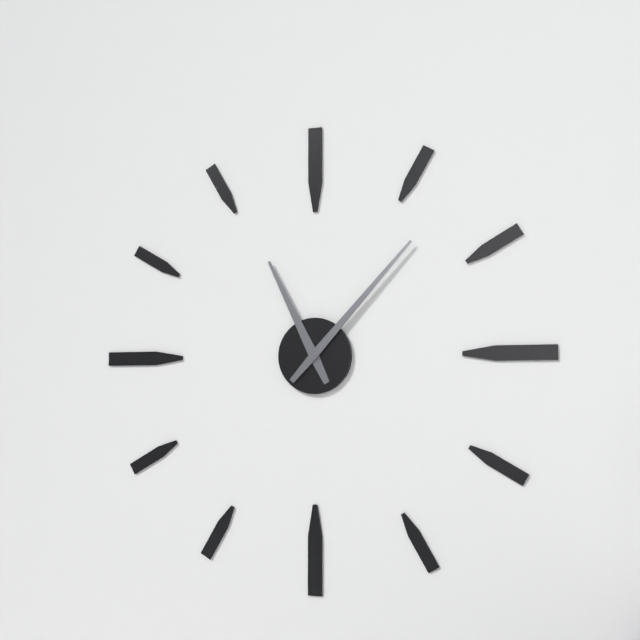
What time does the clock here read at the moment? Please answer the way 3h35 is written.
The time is 11h07
